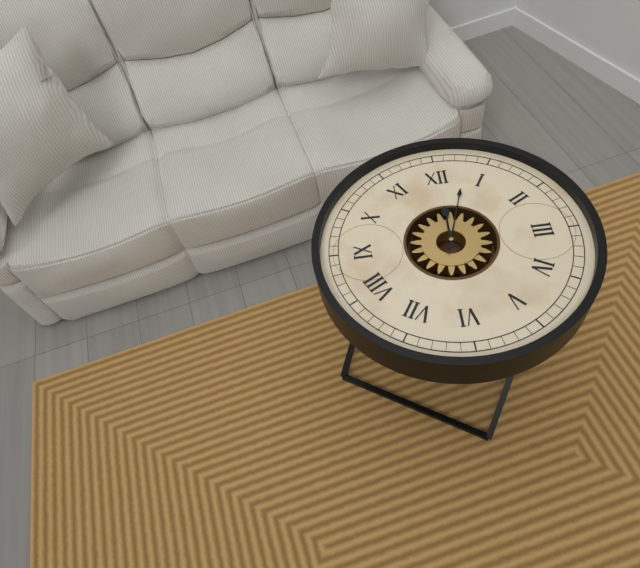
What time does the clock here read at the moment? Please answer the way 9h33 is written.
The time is 12h03
